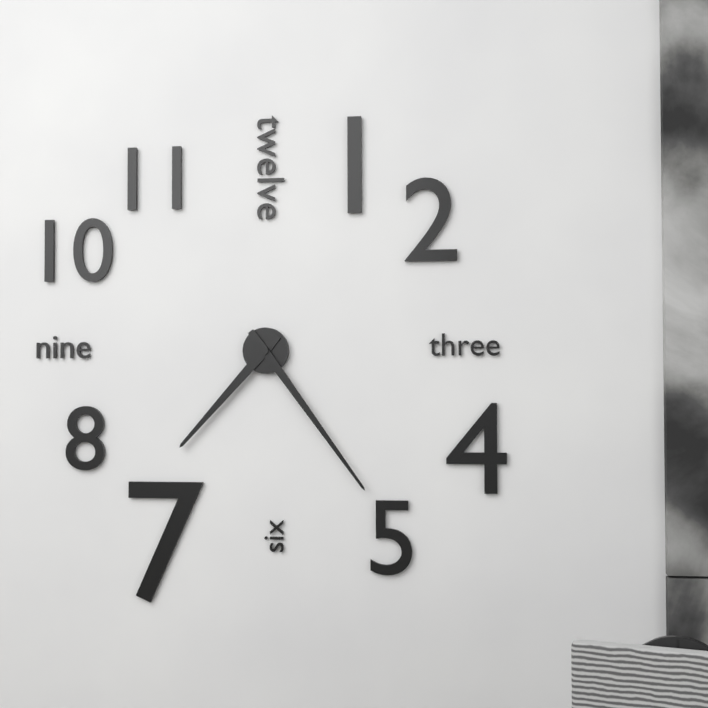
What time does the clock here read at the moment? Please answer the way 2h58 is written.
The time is 7h24
